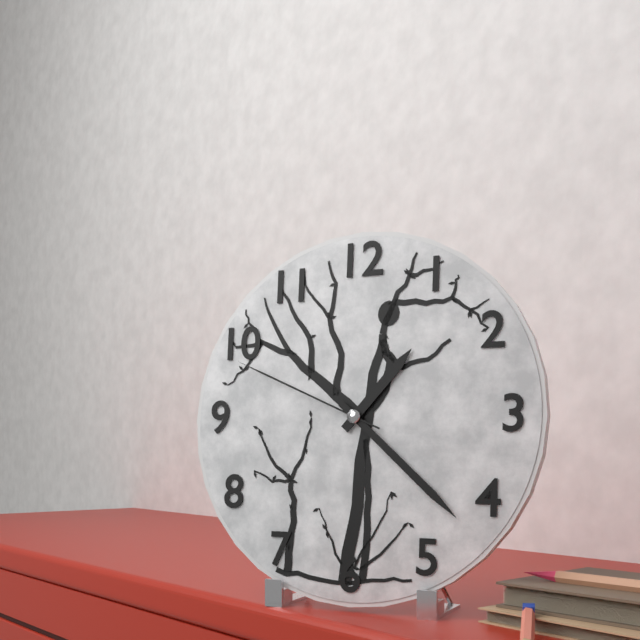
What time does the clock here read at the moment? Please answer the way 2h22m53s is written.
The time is 1h22m49s
